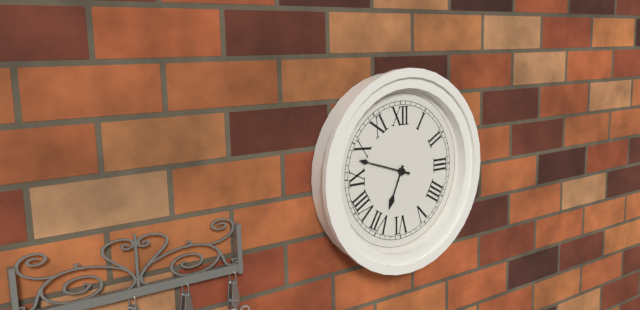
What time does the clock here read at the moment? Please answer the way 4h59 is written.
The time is 6h48
